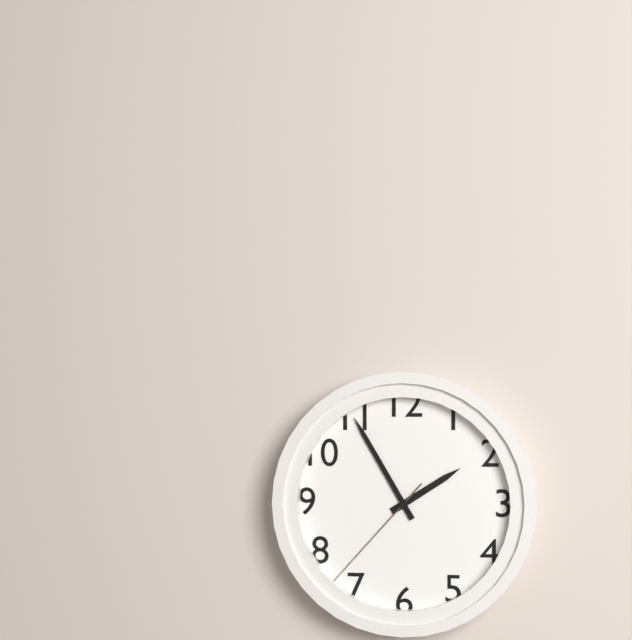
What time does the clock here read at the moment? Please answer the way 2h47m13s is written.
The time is 1h55m37s
